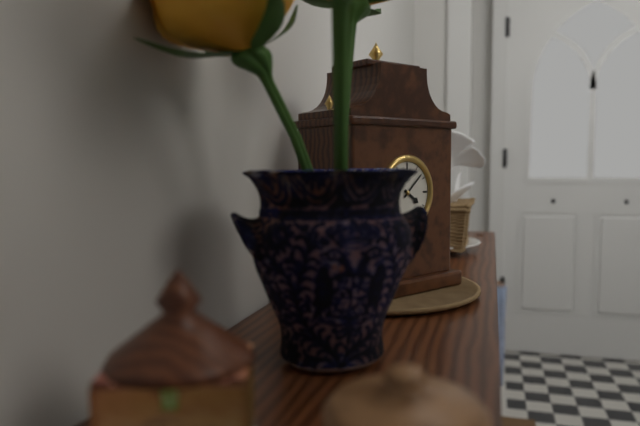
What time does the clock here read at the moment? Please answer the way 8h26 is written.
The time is 4h08
